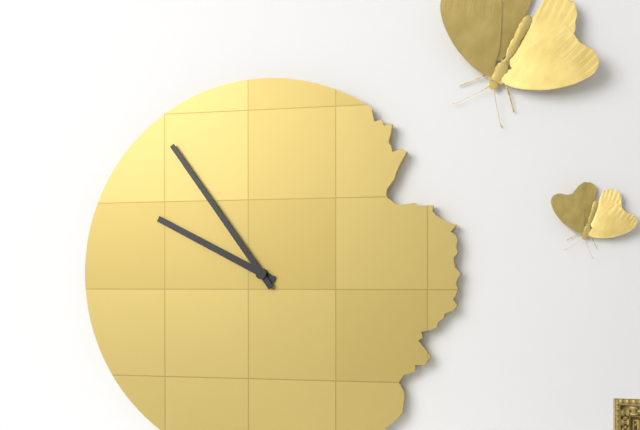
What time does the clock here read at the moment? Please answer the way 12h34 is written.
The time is 9h54
